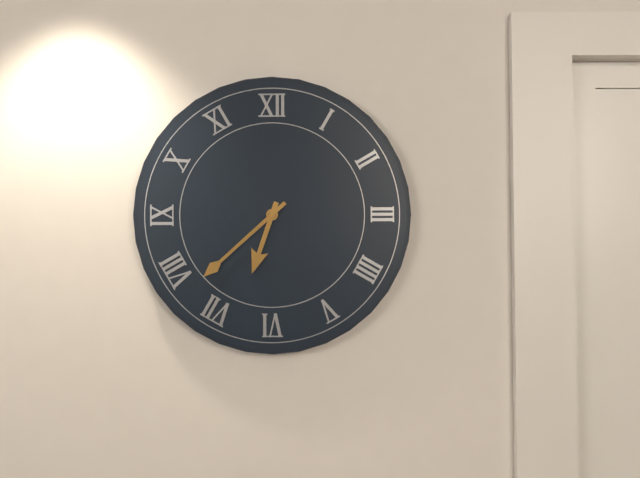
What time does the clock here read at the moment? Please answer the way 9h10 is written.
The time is 6h38
